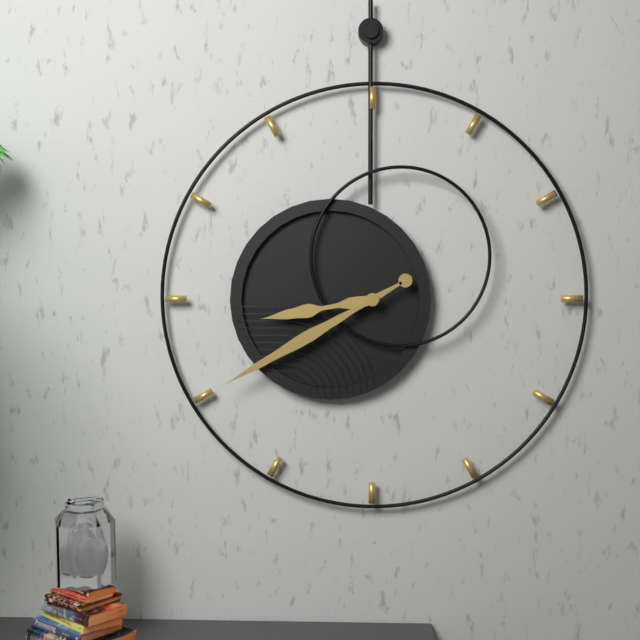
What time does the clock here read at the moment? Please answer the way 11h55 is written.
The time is 8h40
